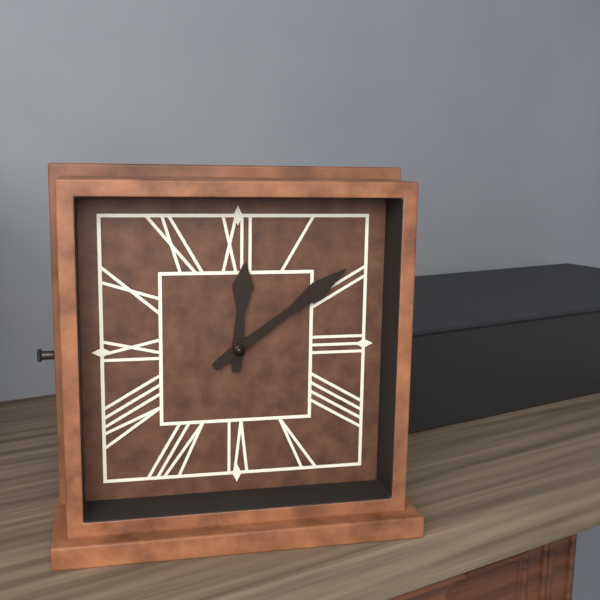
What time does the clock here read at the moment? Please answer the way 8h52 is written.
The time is 12h09
